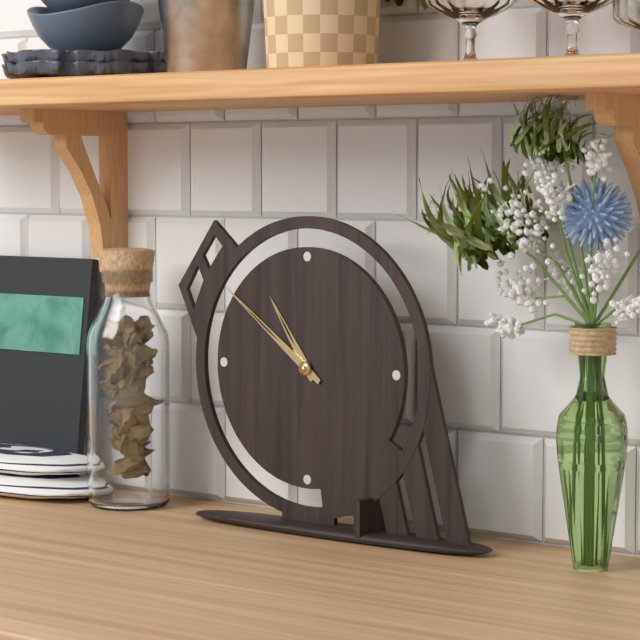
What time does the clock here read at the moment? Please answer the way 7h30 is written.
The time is 10h51
